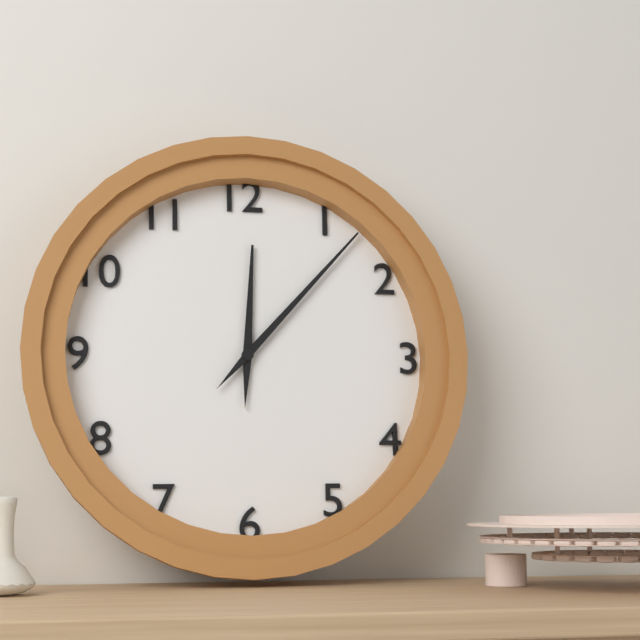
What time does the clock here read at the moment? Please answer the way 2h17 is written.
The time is 12h07
